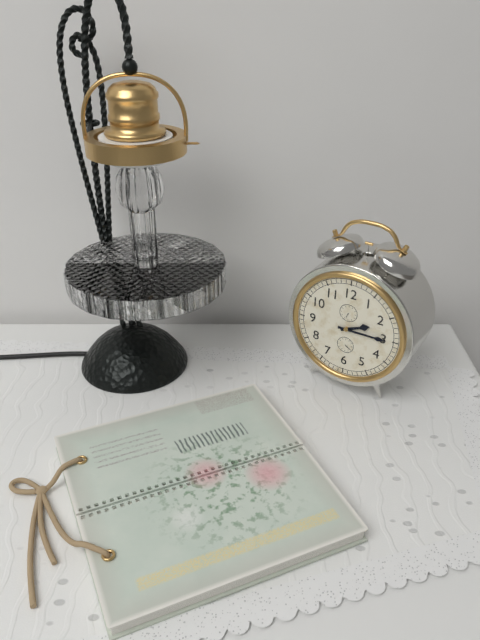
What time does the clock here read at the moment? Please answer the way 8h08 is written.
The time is 2h15
